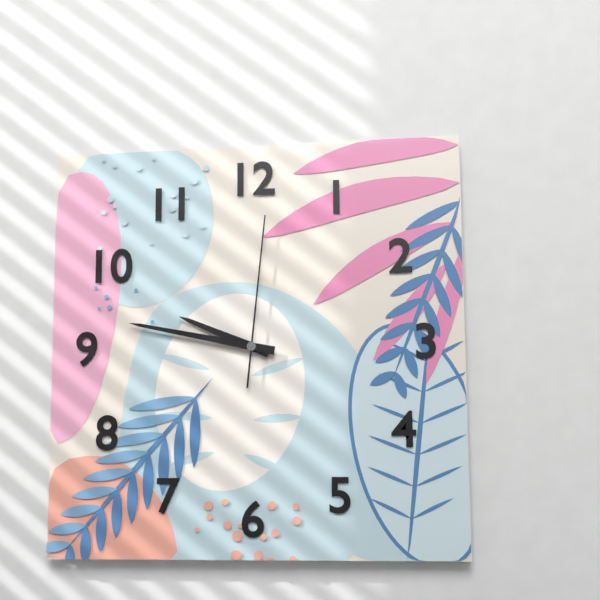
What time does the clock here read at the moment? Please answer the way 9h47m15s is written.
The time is 9h47m01s
